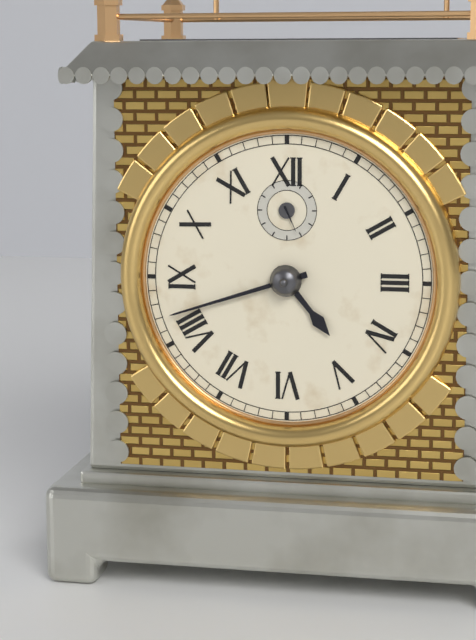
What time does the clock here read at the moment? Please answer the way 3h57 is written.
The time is 4h42
